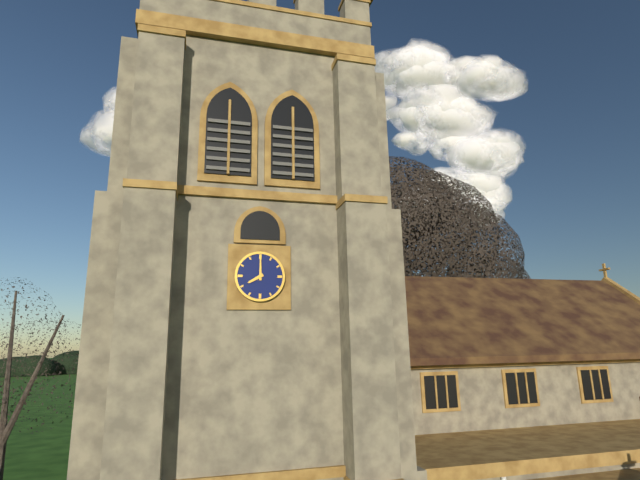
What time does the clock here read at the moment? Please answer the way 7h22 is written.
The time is 8h00
